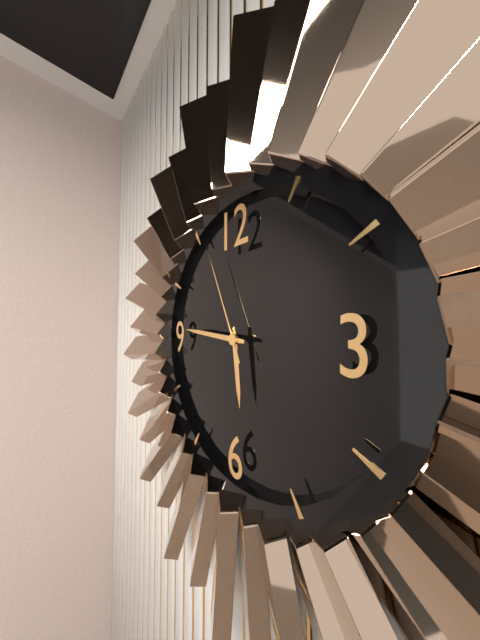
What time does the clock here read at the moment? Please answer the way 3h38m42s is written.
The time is 5h46m56s
